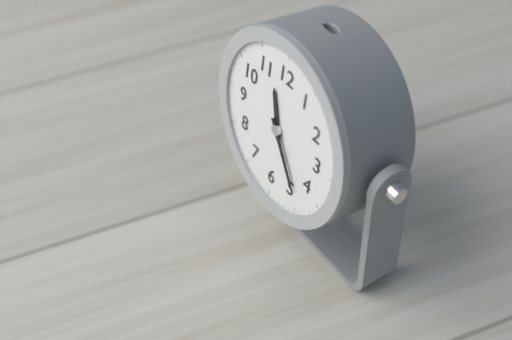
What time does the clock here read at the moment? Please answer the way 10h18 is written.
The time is 11h24
